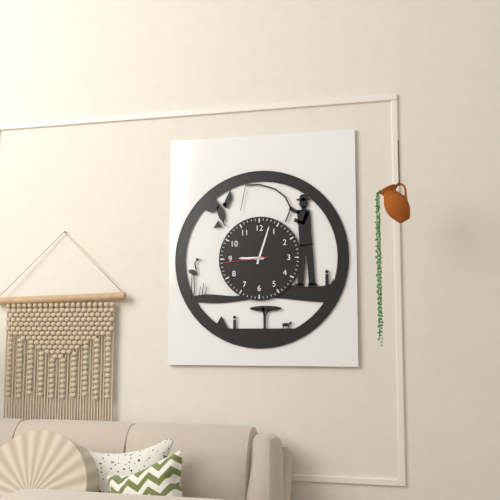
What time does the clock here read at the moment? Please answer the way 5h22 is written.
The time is 9h03
